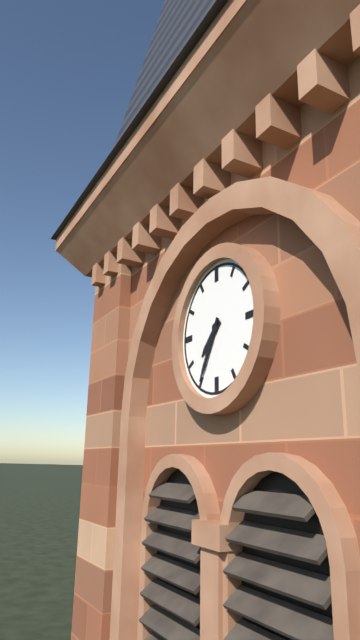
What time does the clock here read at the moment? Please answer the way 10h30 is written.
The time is 7h35
